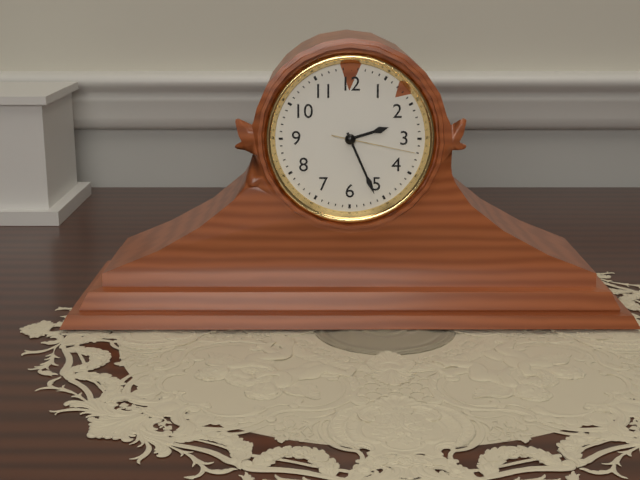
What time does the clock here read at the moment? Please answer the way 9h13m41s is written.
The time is 2h26m17s
